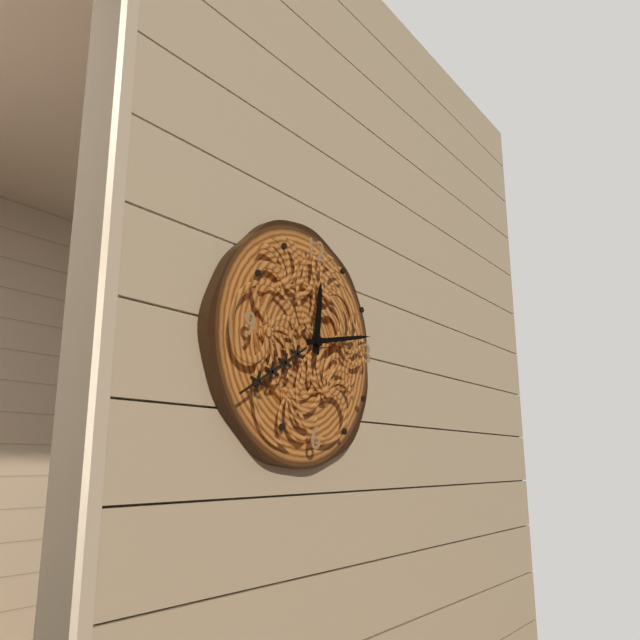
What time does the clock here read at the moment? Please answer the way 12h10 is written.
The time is 12h13
